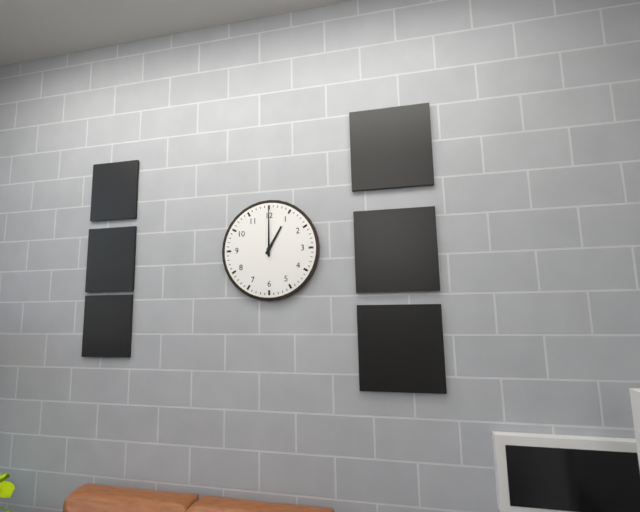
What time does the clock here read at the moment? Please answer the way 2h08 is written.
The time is 1h00
